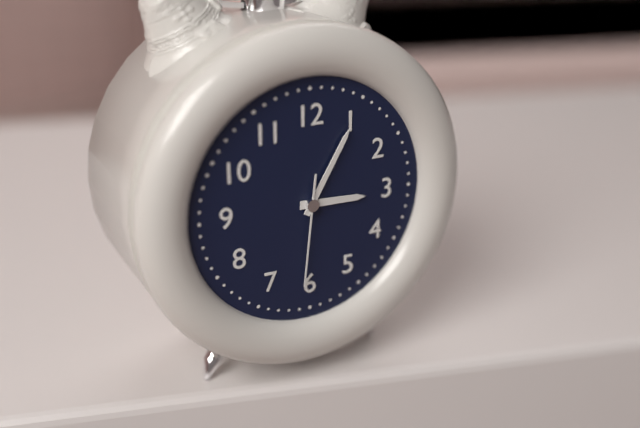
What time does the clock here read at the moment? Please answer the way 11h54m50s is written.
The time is 3h05m31s
